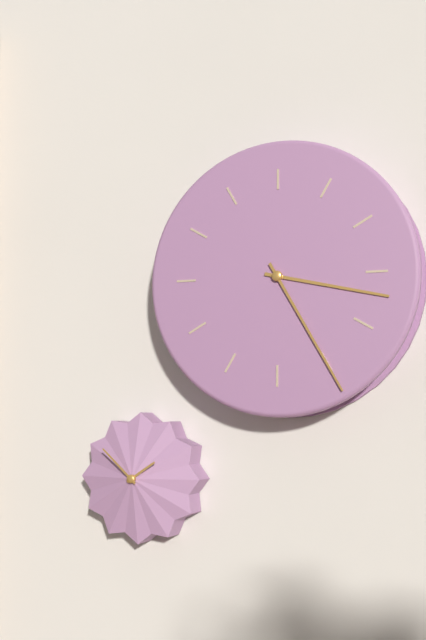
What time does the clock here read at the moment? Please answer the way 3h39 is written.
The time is 3h25
